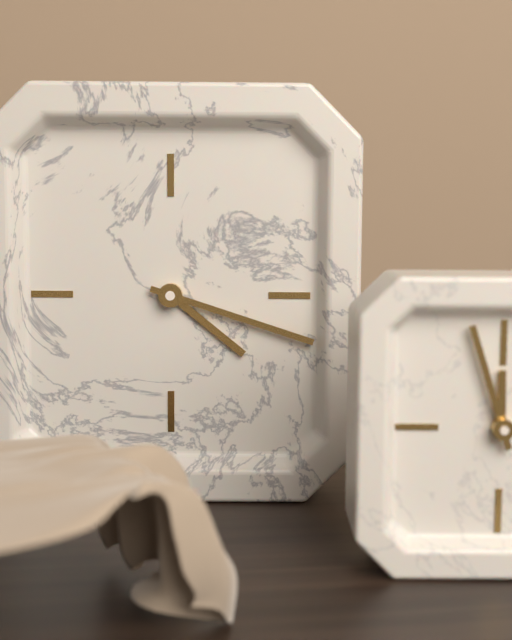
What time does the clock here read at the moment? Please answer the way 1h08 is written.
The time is 4h18
